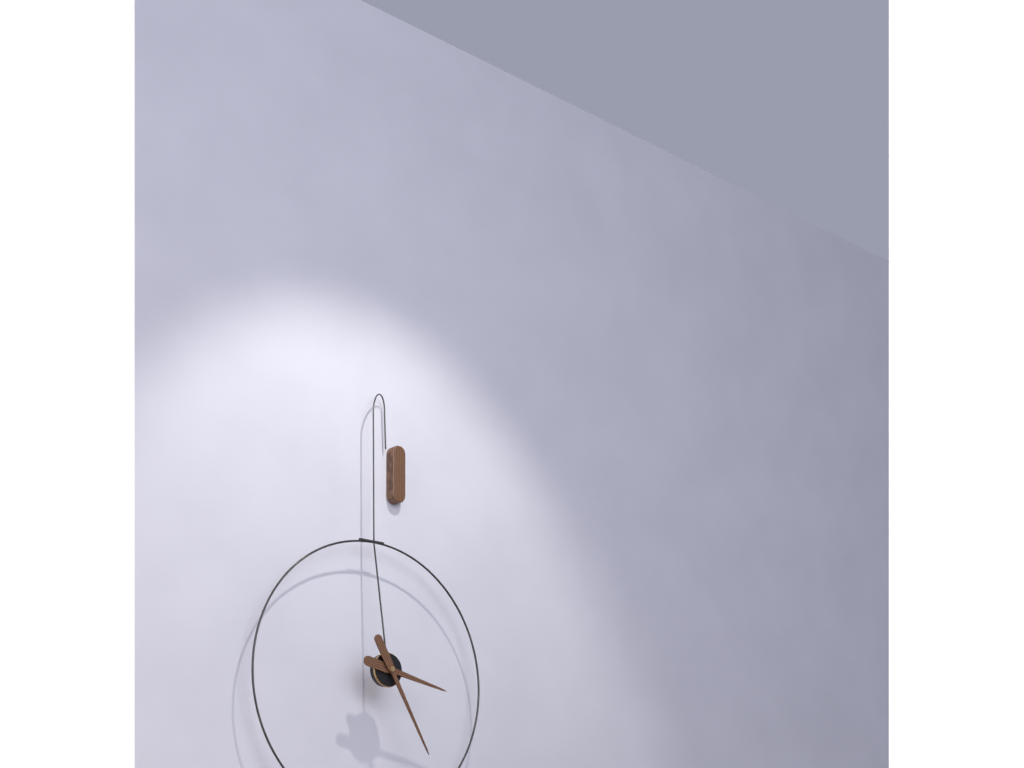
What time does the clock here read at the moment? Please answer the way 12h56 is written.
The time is 3h25
